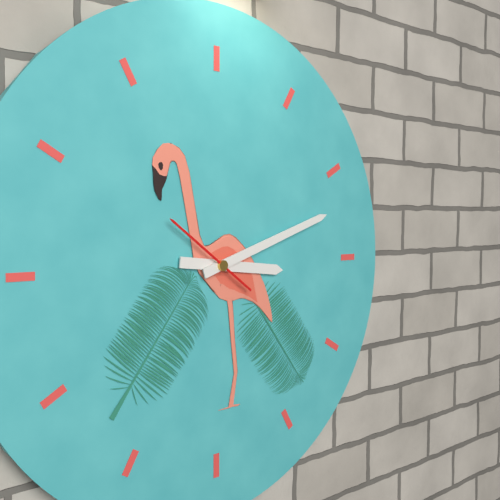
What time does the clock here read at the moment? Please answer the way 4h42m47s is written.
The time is 3h12m51s
